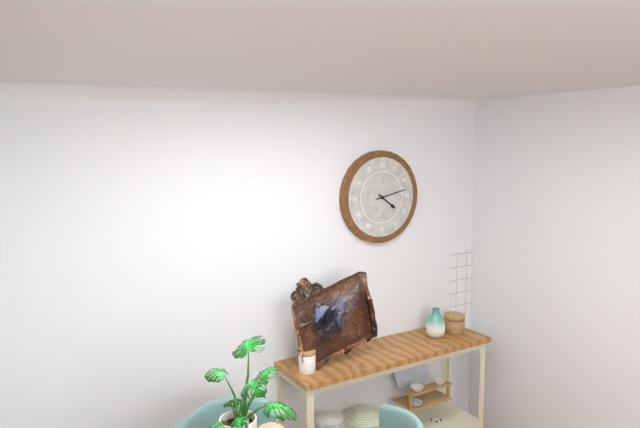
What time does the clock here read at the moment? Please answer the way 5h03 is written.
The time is 4h13
